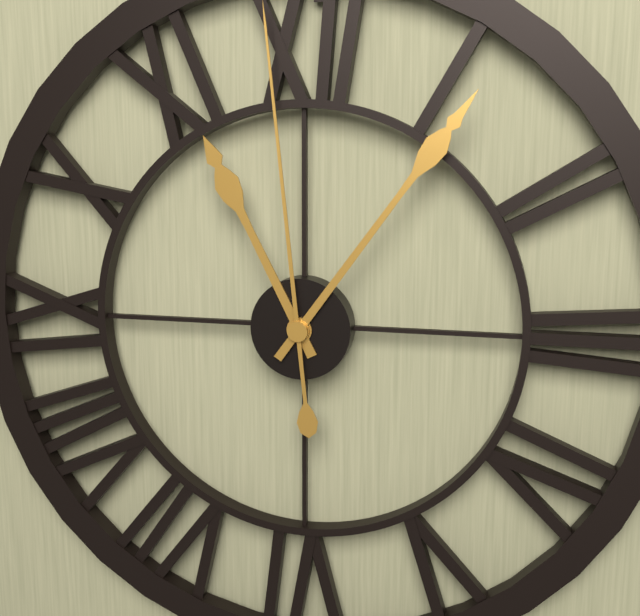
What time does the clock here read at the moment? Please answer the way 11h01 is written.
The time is 11h06
